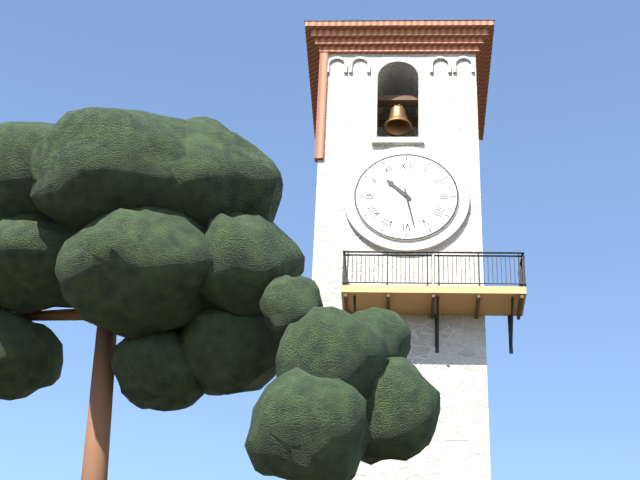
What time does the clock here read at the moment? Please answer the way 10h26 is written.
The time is 10h28
